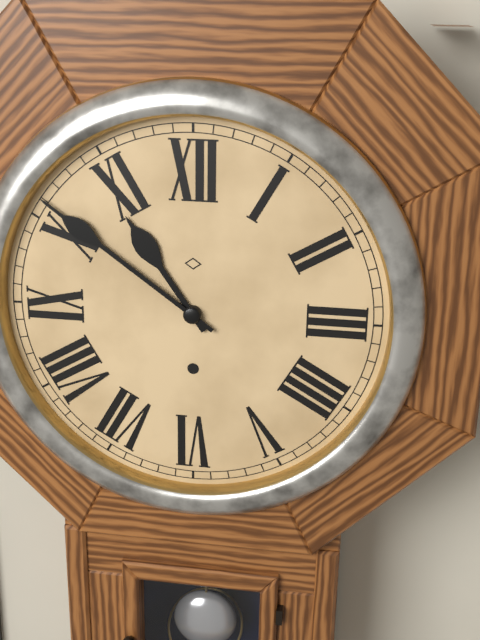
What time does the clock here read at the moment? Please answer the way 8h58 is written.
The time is 10h51
